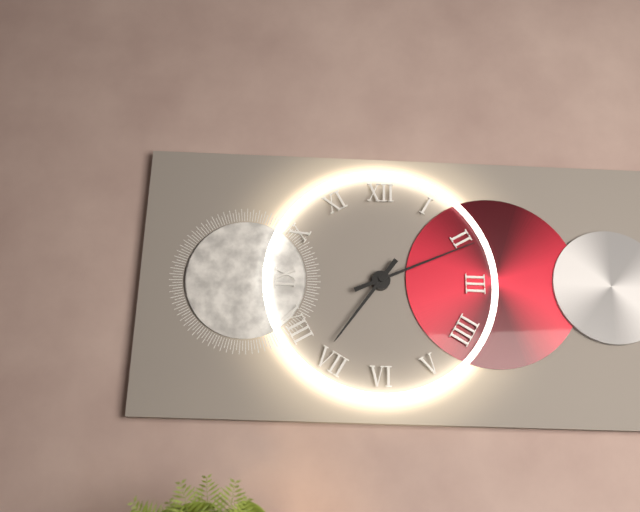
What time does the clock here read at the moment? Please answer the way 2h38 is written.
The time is 7h11
